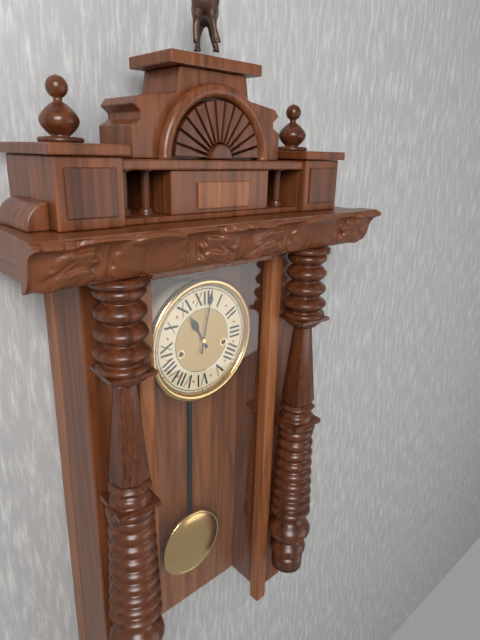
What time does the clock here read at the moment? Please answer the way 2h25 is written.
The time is 11h02
